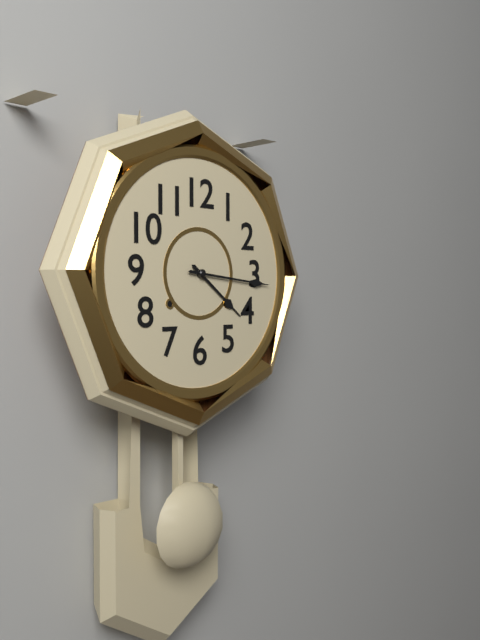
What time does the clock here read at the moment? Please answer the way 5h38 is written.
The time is 4h16
